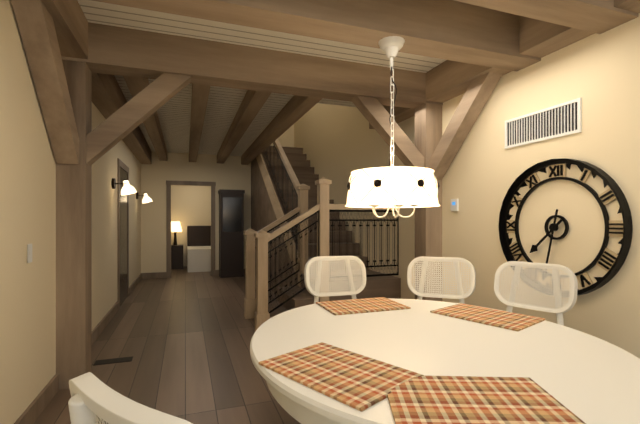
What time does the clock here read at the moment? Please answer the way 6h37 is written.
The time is 7h32
